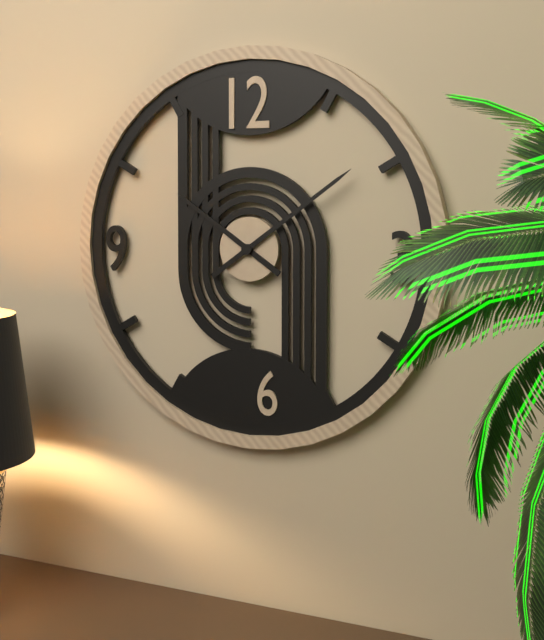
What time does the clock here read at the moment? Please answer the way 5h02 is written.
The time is 10h09
